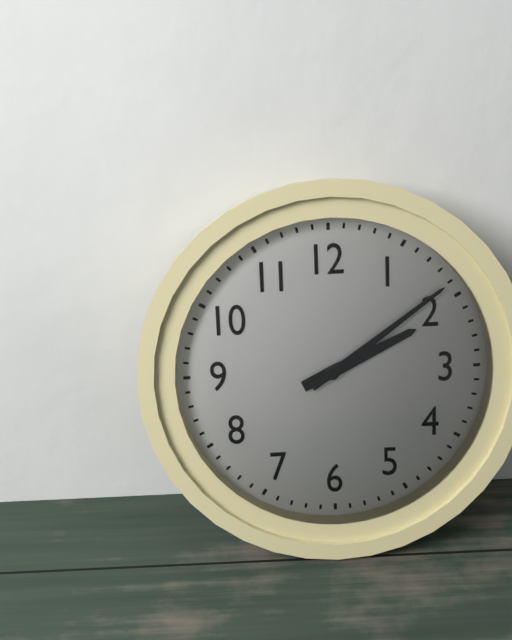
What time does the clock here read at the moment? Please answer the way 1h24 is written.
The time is 2h09
